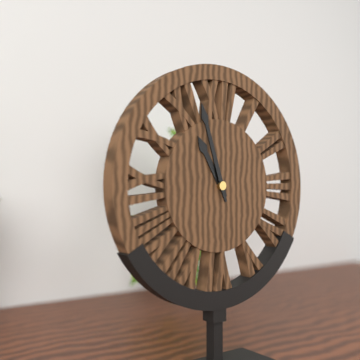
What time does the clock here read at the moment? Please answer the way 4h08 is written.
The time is 10h57
